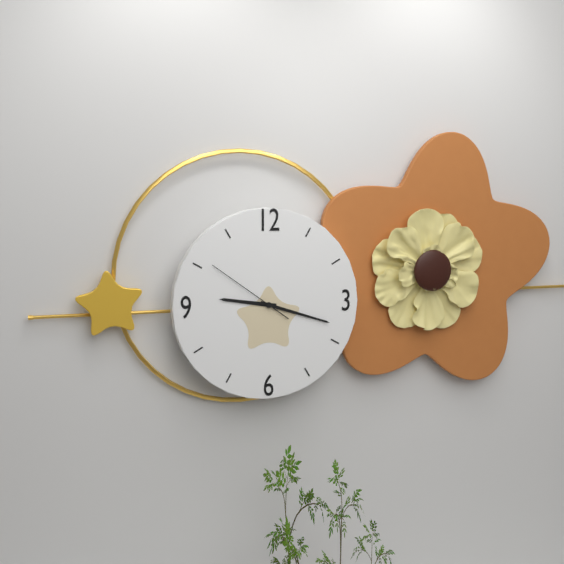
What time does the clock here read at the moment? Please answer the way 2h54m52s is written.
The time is 9h18m51s
